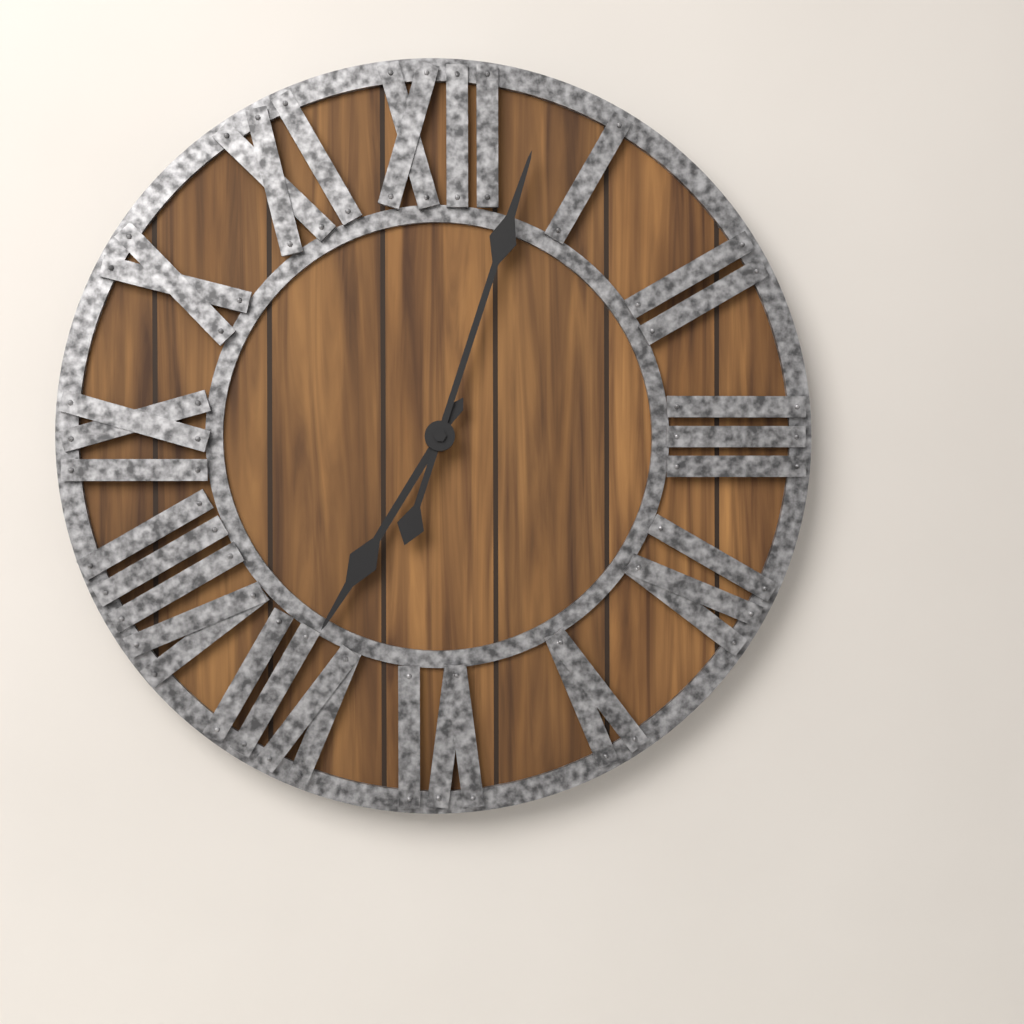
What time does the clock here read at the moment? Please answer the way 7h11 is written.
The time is 7h03
